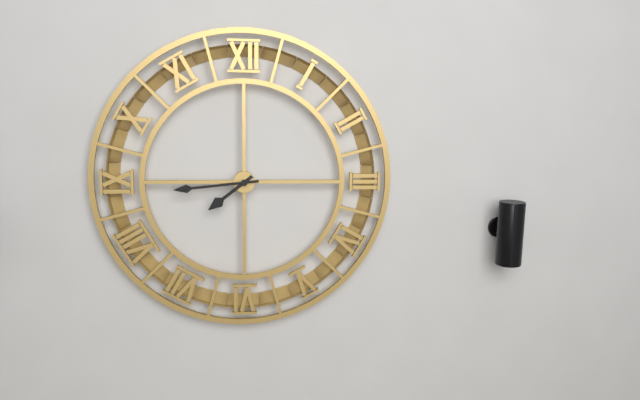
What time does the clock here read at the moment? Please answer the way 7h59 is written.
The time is 7h44
